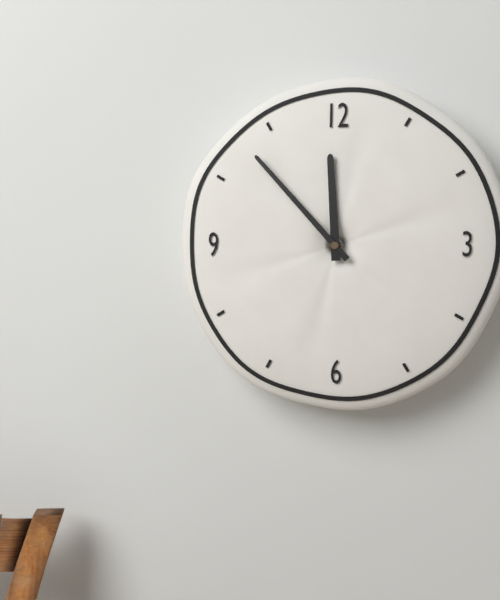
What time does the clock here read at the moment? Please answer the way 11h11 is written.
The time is 11h53
